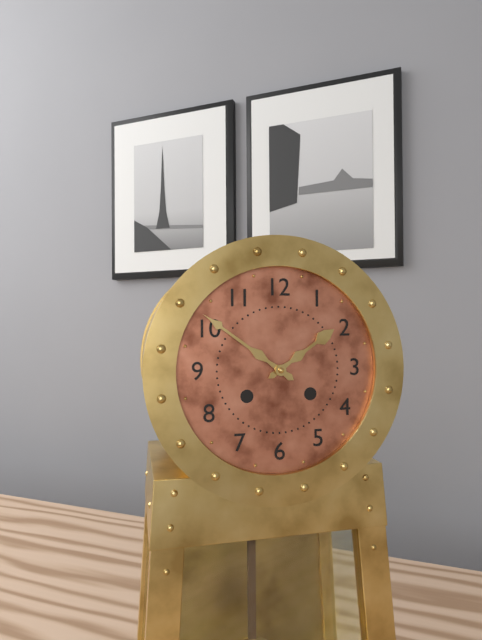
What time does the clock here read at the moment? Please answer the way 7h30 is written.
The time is 1h51
